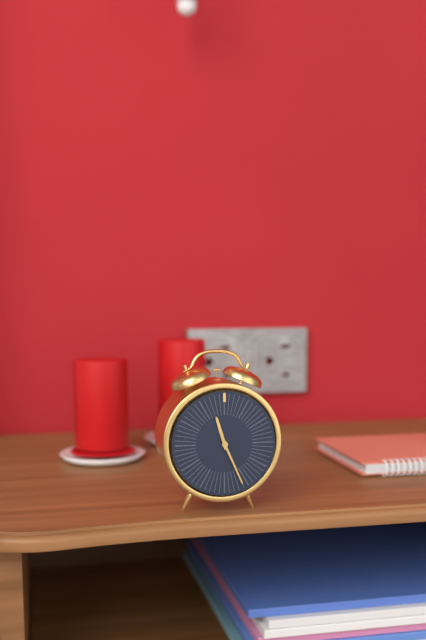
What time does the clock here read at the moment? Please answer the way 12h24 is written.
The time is 11h26
